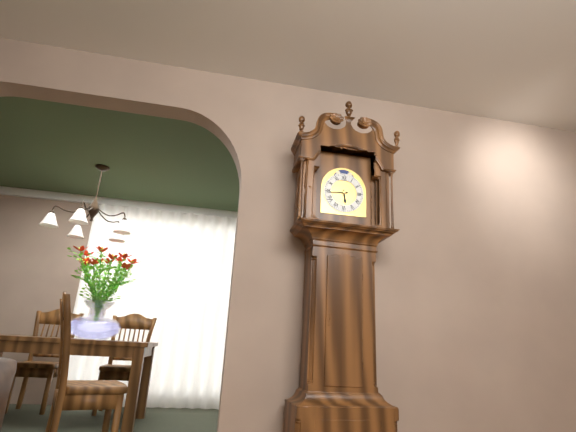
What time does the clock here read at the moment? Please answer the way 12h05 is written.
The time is 5h44
